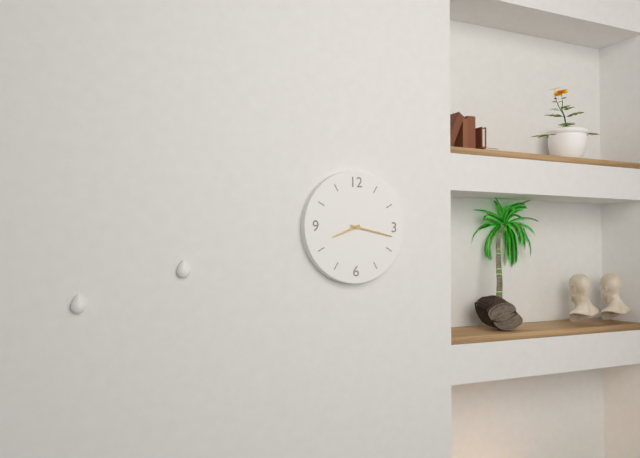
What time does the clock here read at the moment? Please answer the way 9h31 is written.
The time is 8h17
